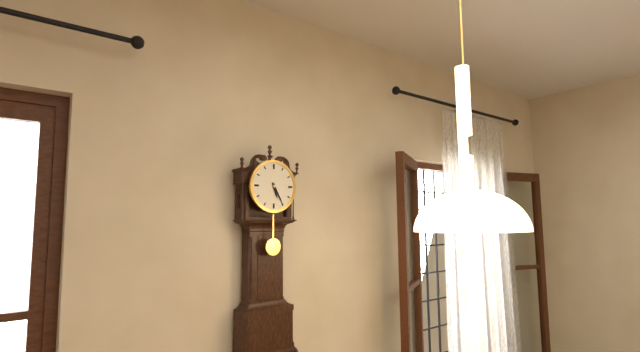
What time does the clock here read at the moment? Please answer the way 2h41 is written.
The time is 5h25
